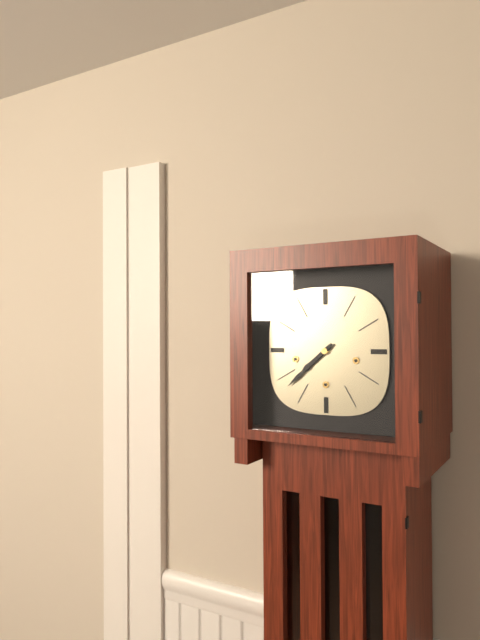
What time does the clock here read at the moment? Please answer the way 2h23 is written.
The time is 7h38
